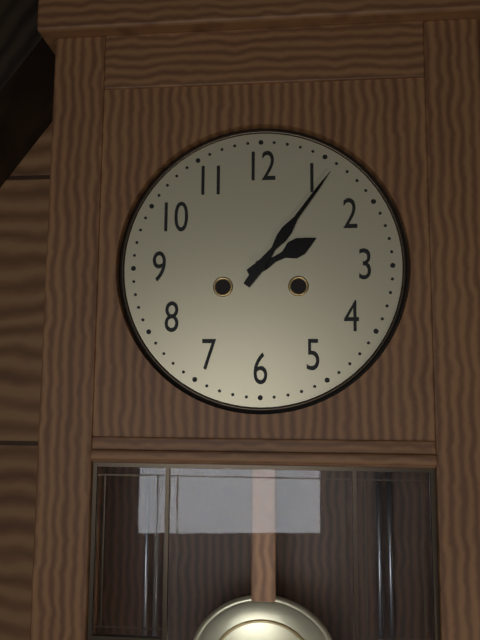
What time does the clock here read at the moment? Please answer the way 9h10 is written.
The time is 2h06
